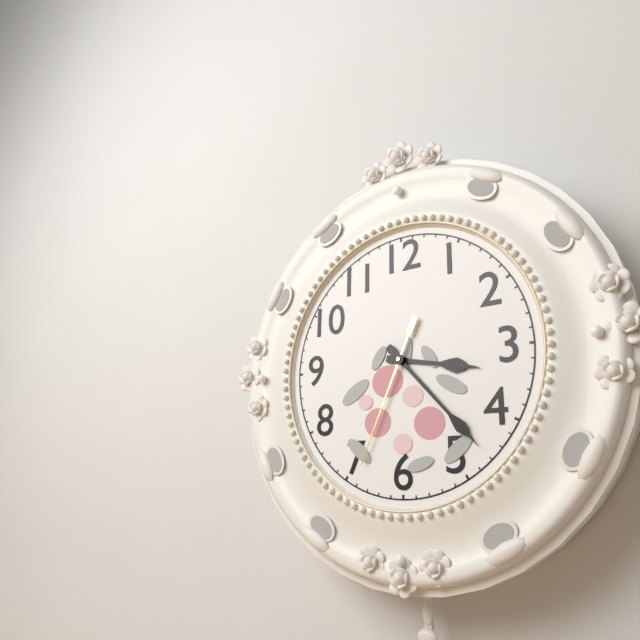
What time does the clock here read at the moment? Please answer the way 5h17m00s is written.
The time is 3h23m34s
